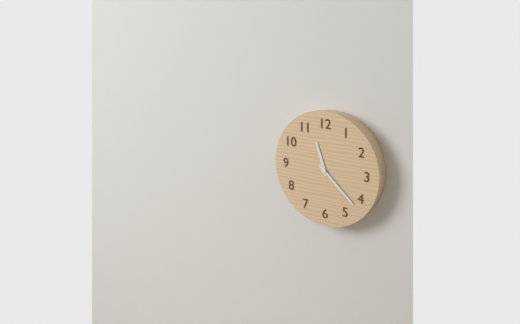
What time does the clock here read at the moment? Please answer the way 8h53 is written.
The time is 11h22
